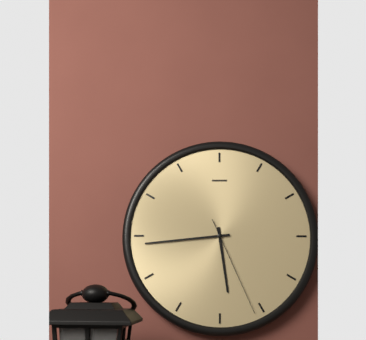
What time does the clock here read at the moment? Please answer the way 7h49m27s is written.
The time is 5h44m26s
